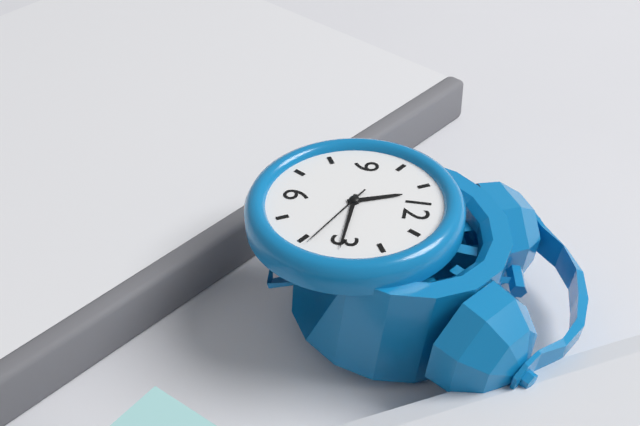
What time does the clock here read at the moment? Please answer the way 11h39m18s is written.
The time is 11h15m19s
